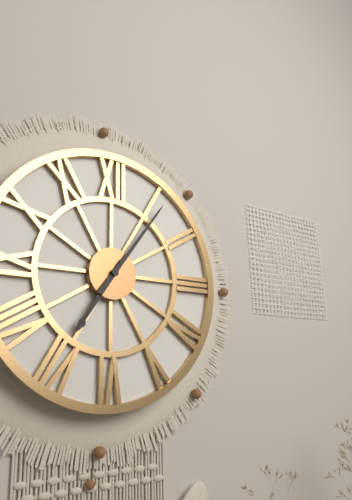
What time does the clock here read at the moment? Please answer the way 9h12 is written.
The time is 7h06
